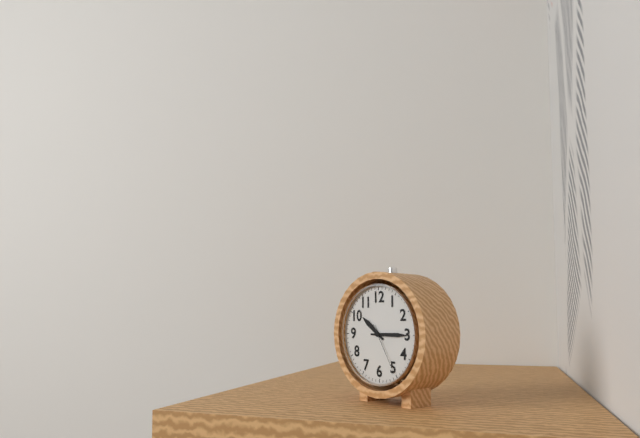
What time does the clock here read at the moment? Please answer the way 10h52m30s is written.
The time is 10h15m25s
